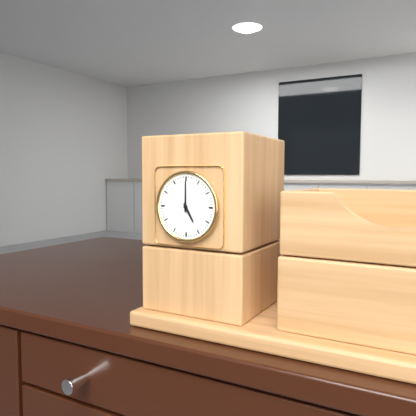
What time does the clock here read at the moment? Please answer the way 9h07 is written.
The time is 5h00
